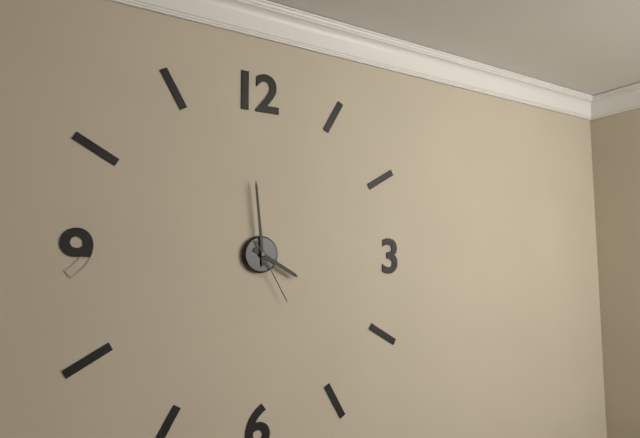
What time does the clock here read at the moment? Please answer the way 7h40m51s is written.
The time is 3h59m25s
